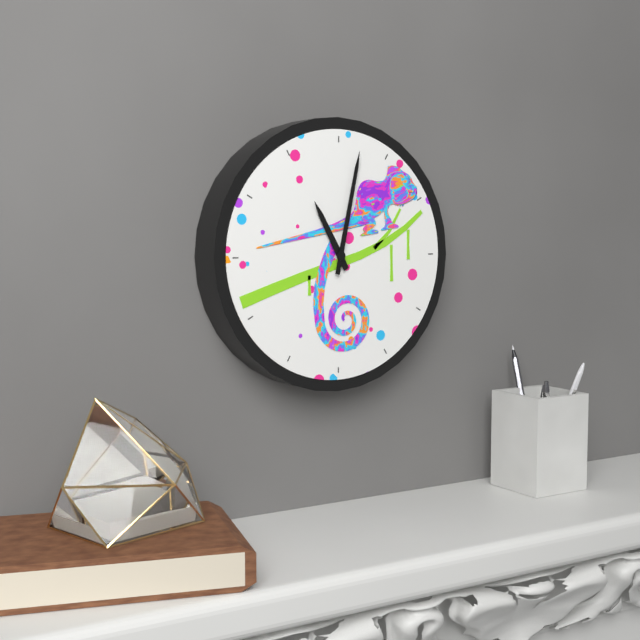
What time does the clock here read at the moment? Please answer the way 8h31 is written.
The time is 11h02
